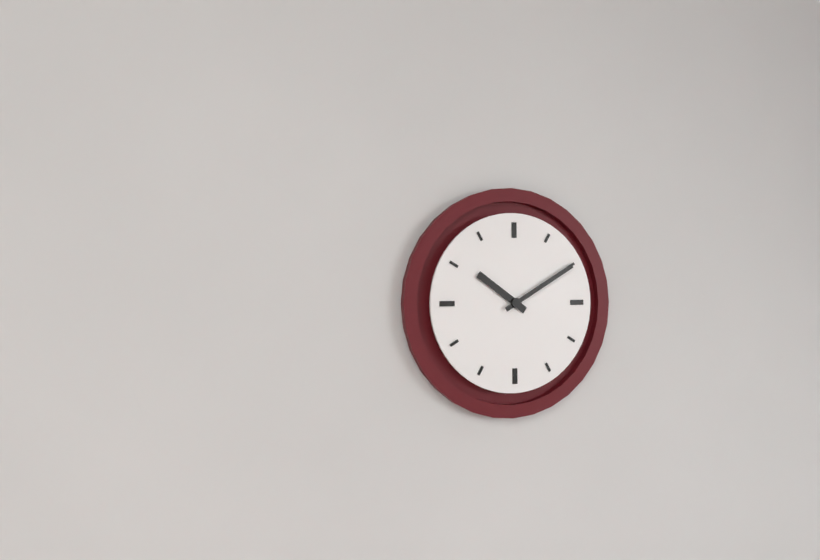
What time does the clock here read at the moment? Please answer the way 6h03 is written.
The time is 10h10
